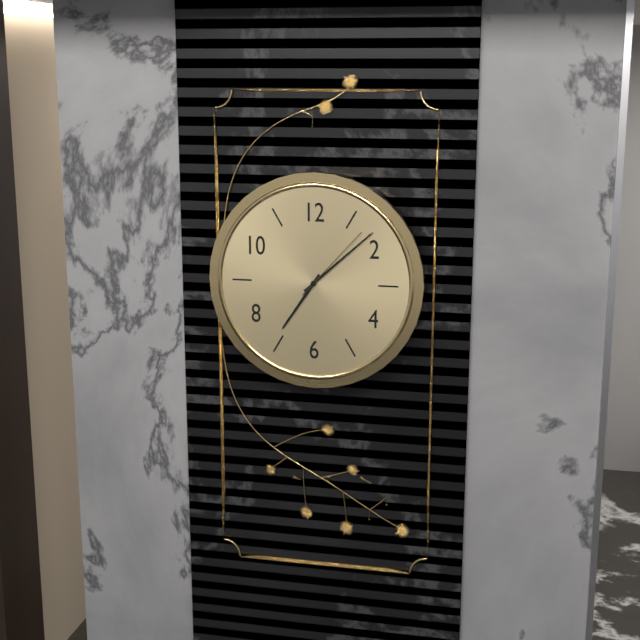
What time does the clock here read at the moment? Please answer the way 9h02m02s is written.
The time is 7h08m07s
